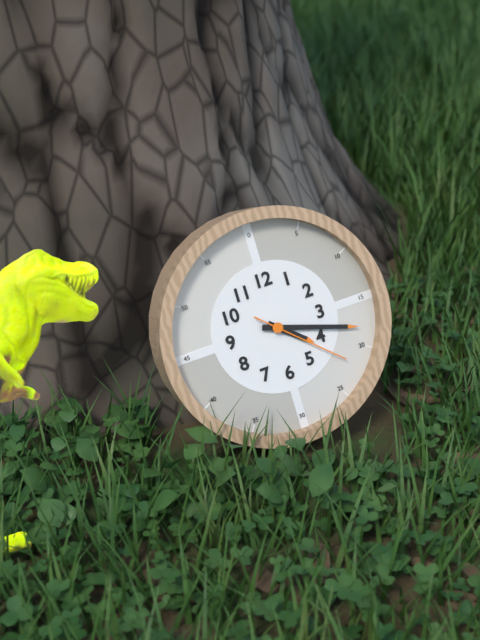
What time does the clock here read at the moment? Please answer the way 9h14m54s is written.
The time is 4h18m22s
